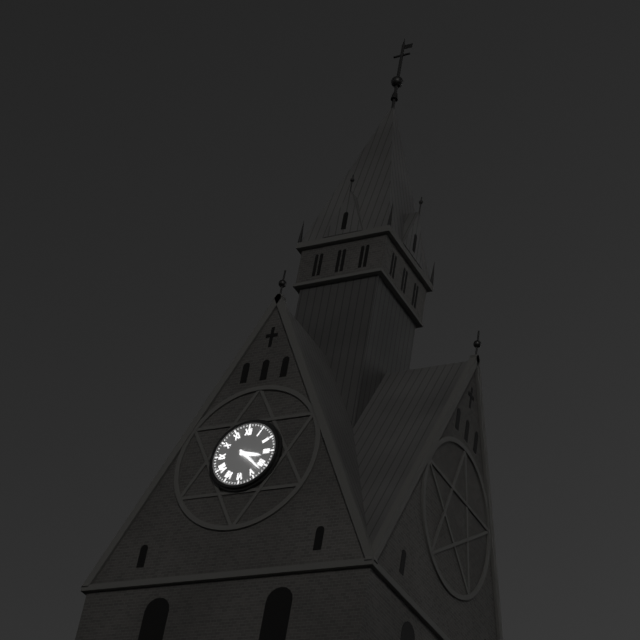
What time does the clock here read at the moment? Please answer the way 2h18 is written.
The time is 3h22
